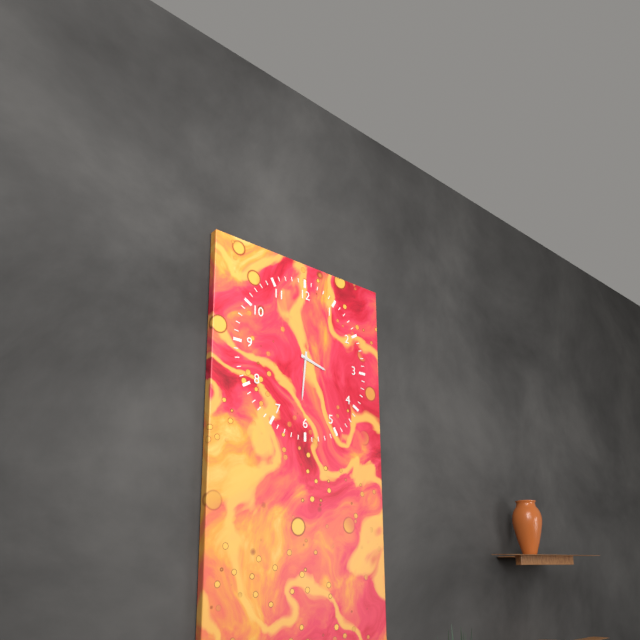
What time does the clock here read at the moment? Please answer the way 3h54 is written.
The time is 3h31
